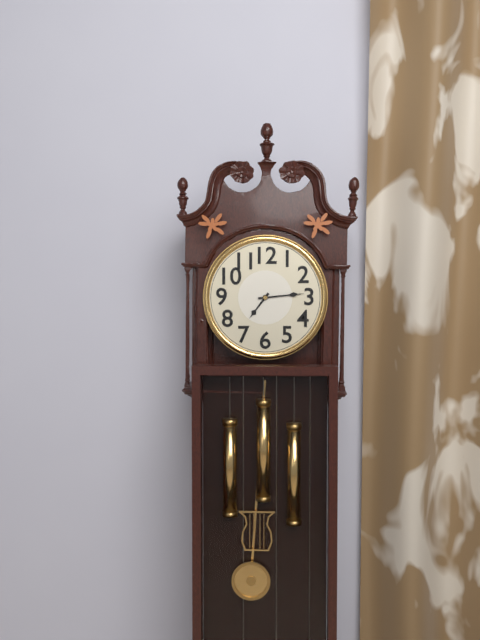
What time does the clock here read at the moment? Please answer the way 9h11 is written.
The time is 7h14
